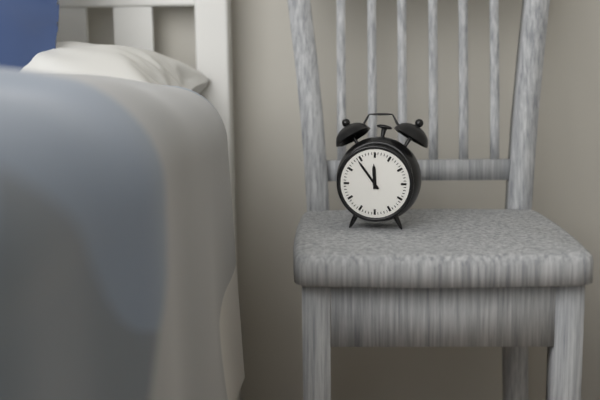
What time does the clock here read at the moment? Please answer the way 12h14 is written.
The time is 11h54
